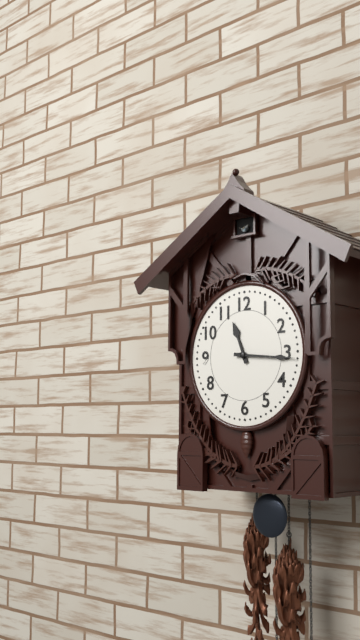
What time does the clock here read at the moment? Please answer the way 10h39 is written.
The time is 11h16
